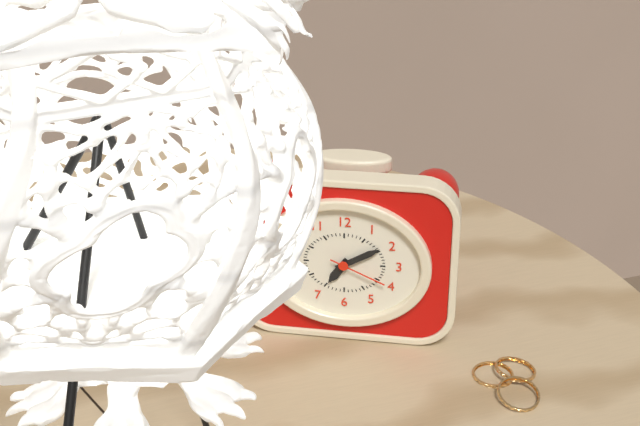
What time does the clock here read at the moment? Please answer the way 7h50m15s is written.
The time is 7h10m19s
